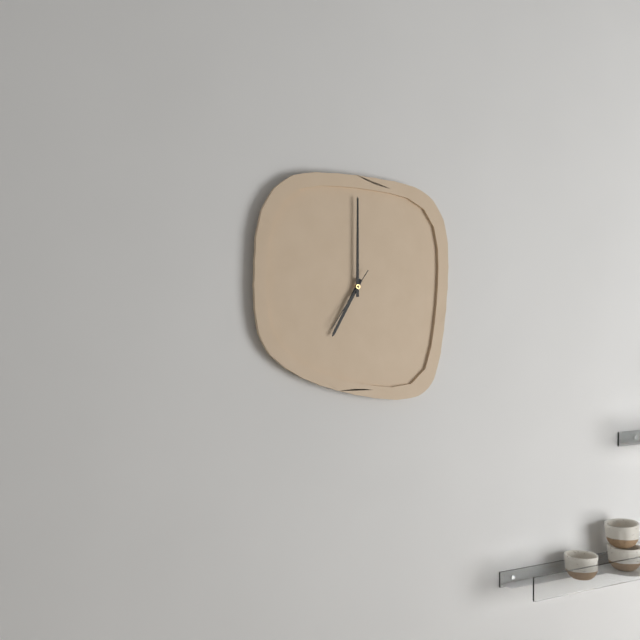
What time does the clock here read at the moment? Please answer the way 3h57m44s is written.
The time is 7h00m36s
